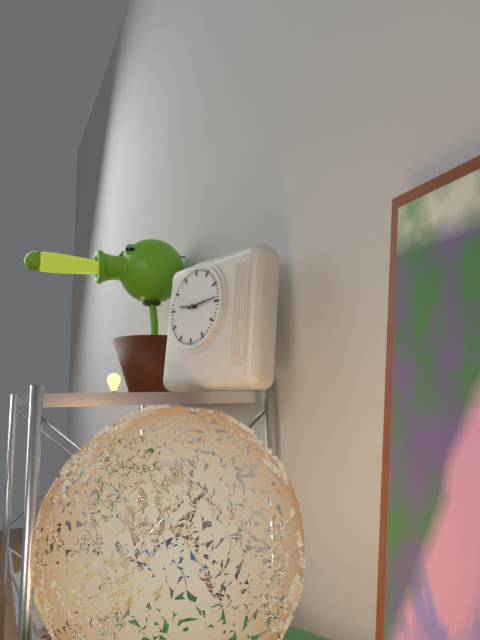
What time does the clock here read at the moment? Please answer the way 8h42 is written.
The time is 9h14
